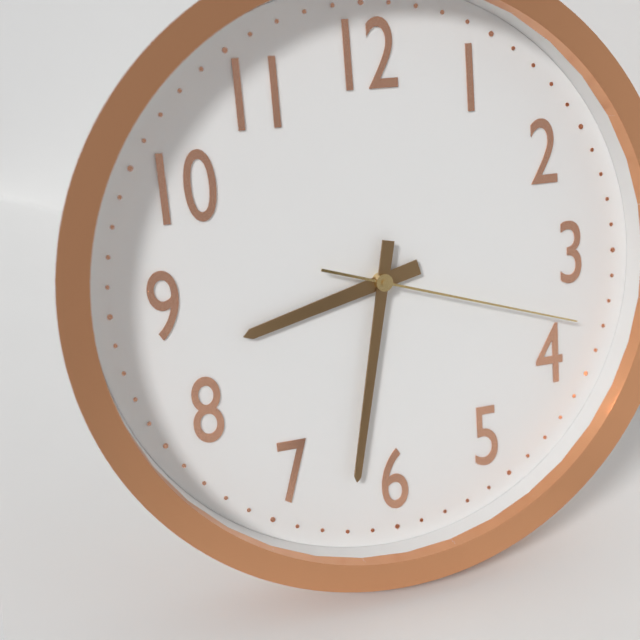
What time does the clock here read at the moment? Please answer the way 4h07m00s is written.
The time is 8h32m18s
